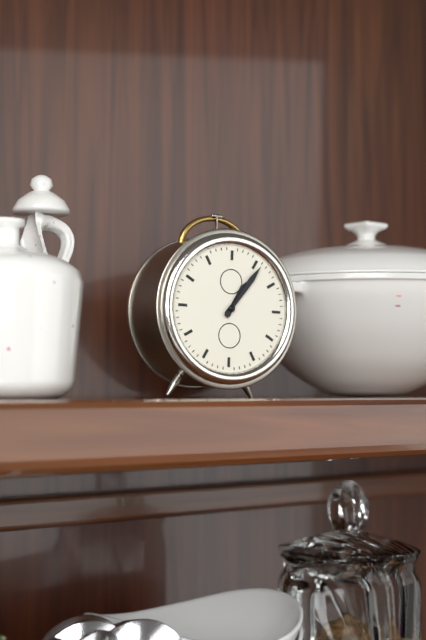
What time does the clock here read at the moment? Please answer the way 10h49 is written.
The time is 1h06
